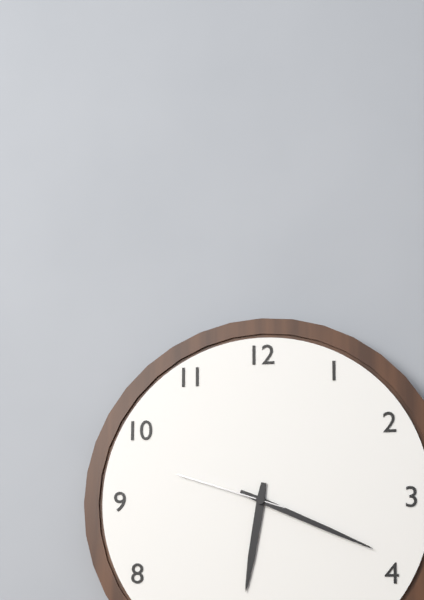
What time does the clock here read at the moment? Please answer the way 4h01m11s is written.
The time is 6h19m48s
